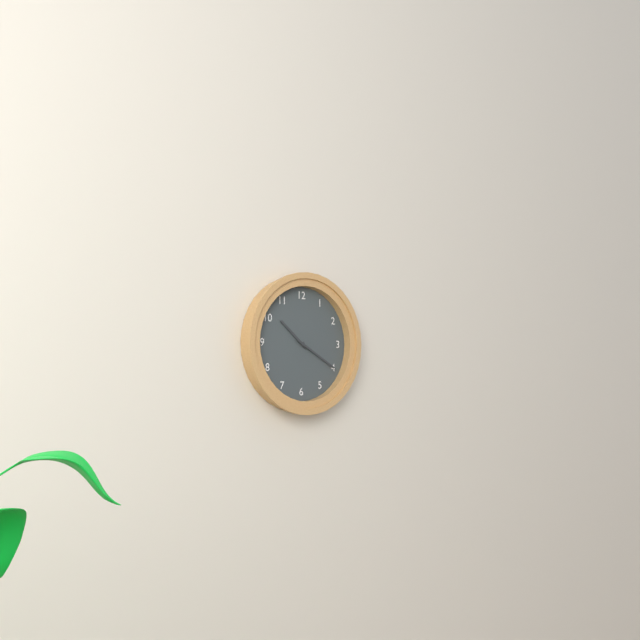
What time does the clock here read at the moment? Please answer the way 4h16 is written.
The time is 10h20
